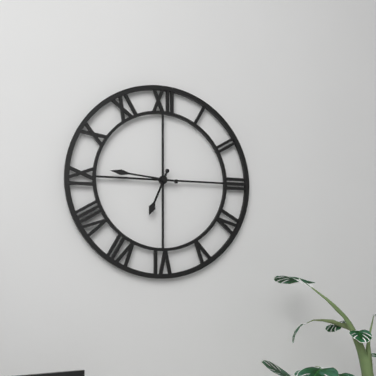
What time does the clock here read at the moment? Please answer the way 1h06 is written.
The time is 6h46
